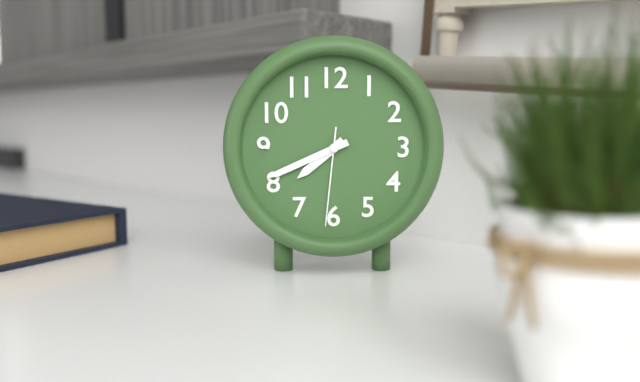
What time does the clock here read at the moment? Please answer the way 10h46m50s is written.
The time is 7h41m31s
